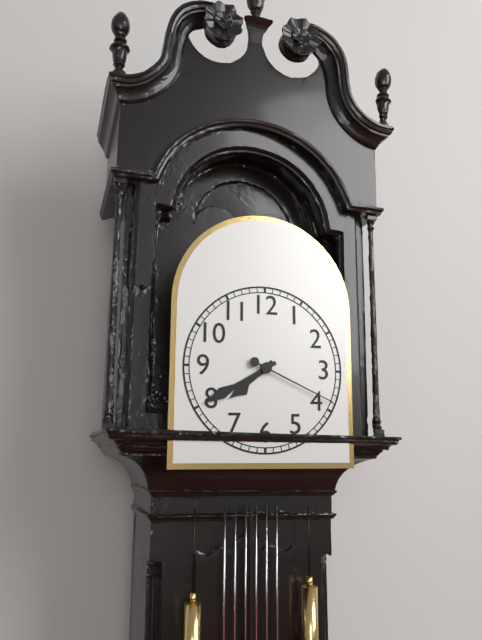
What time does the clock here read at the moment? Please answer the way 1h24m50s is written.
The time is 7h40m19s
